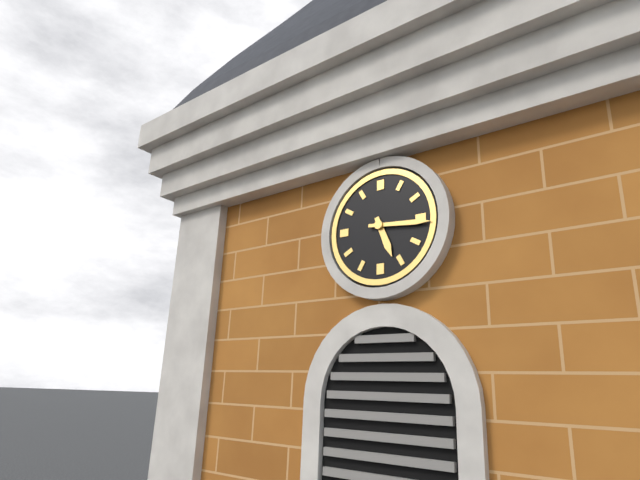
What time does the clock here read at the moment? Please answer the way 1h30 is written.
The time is 5h16
